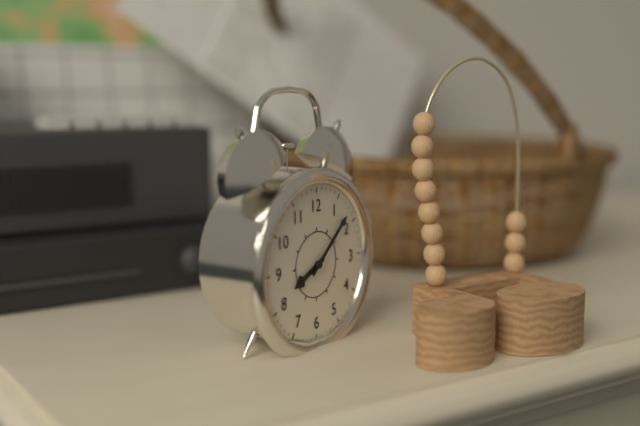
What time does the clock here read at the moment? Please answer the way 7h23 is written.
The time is 8h08
